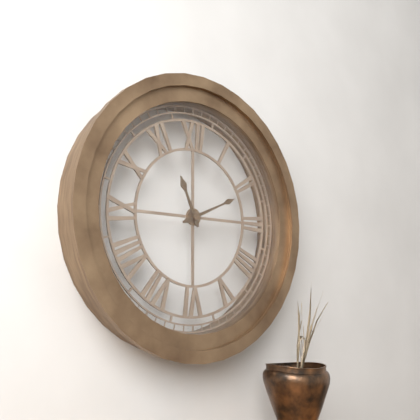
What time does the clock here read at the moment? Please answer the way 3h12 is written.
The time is 11h11
